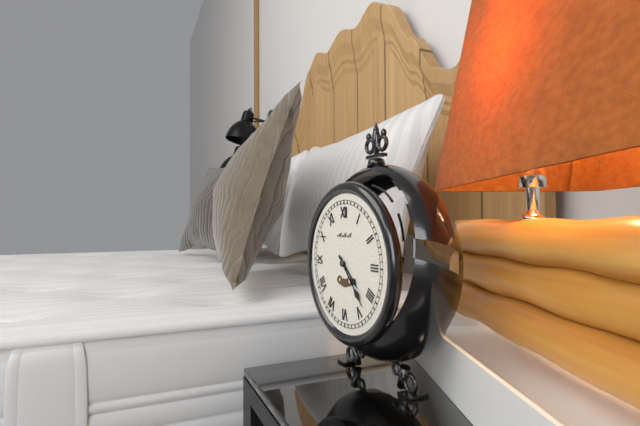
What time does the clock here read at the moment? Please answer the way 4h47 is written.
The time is 4h23
